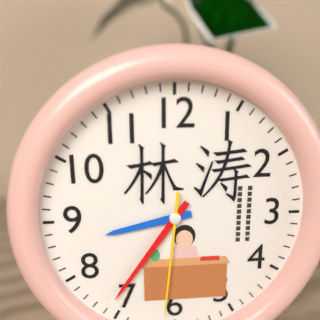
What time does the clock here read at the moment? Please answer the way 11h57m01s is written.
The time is 8h36m31s
